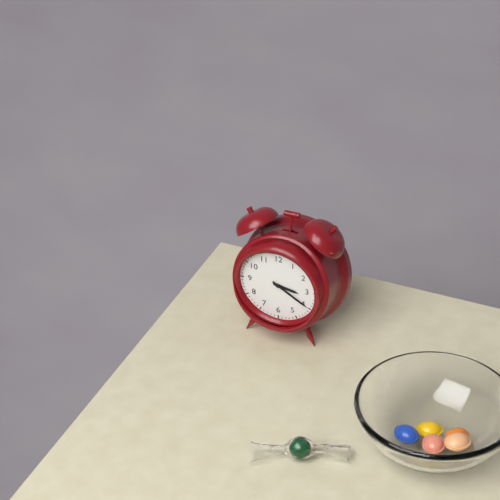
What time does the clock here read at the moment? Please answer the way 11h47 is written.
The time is 3h20
